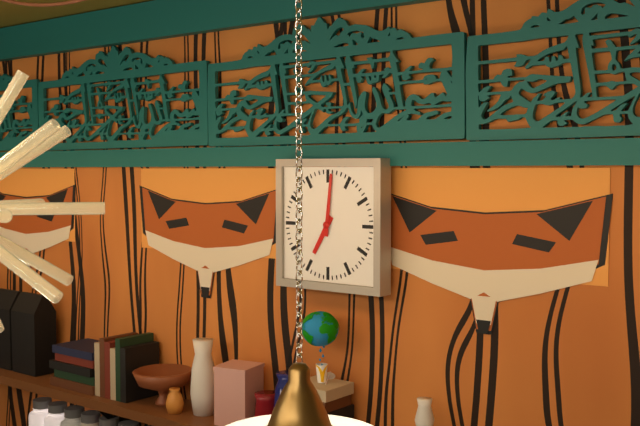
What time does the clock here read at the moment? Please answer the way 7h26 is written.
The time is 7h01
